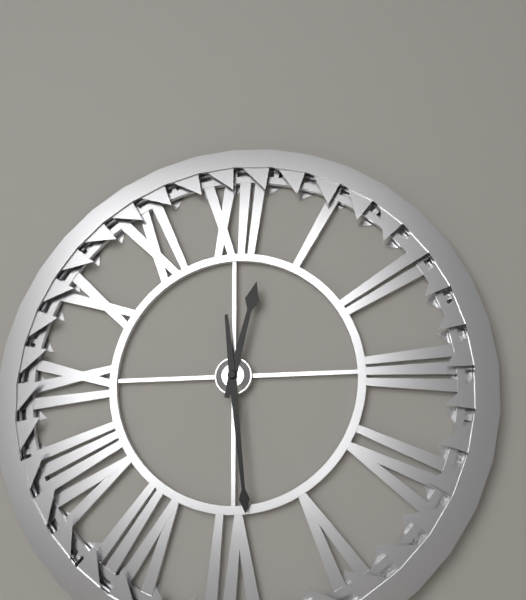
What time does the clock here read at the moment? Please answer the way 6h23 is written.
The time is 12h29
